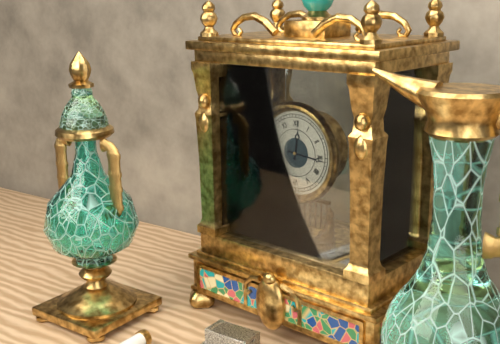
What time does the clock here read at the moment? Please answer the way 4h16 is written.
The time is 12h16
